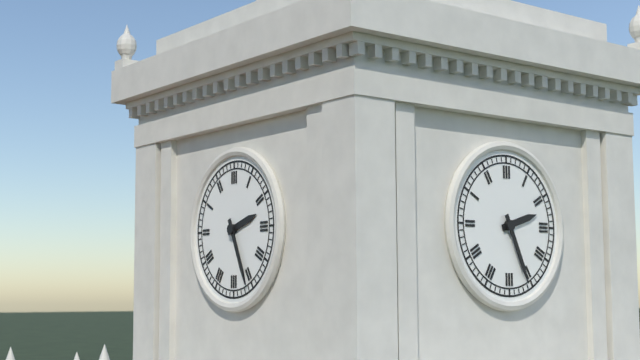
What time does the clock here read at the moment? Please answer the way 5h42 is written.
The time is 2h26
